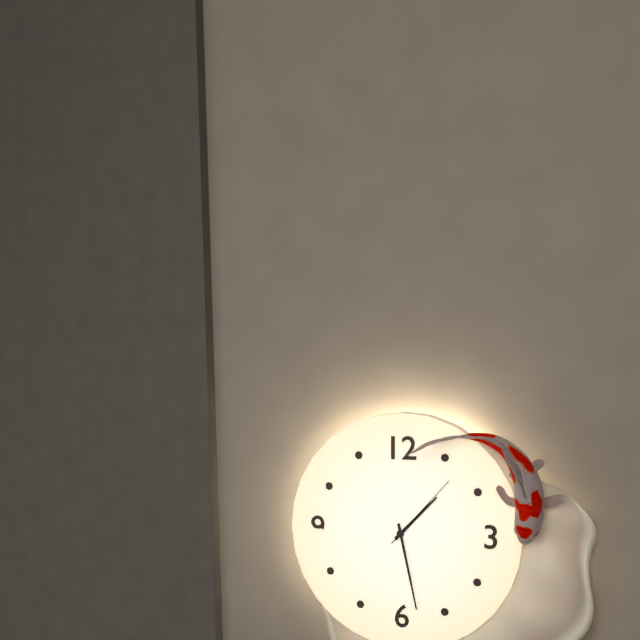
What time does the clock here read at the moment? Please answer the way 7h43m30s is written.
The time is 1h28m07s
